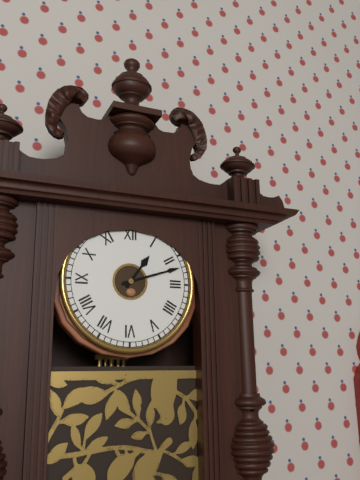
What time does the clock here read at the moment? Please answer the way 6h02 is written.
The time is 1h12
